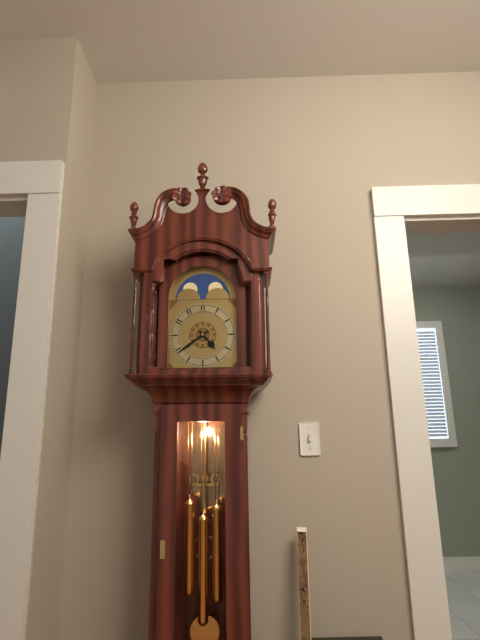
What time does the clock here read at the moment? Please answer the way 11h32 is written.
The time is 4h39
